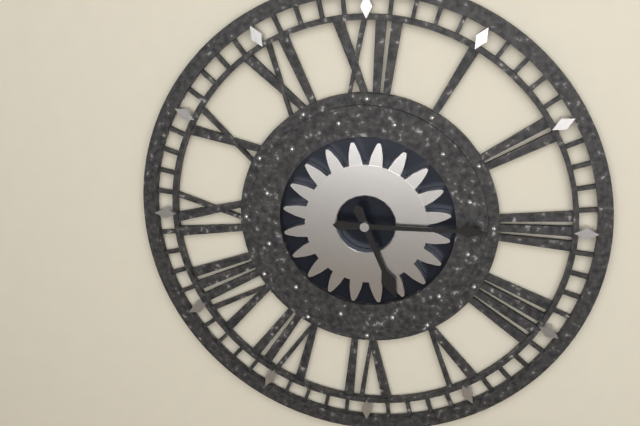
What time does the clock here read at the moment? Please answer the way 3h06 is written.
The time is 5h15
